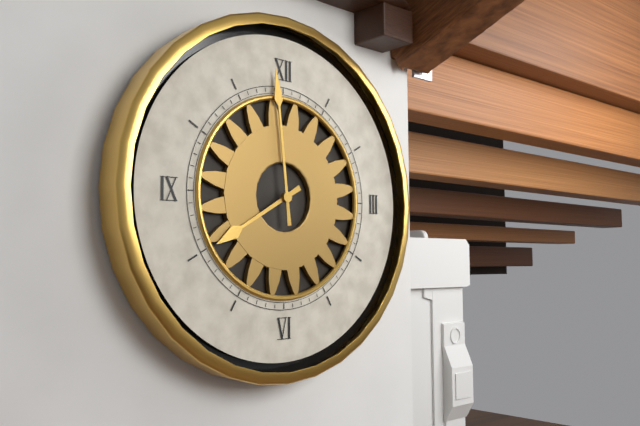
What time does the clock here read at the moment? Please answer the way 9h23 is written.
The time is 7h59
